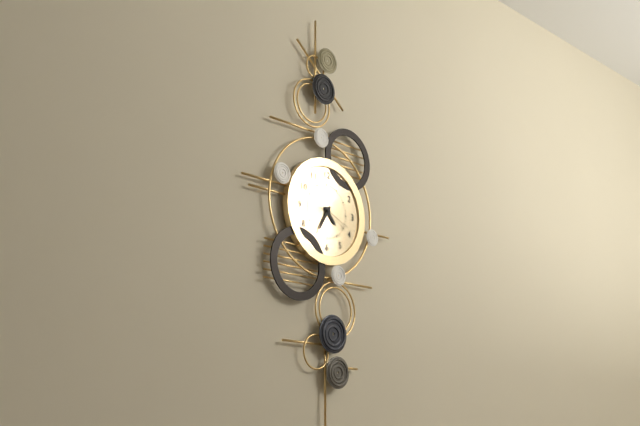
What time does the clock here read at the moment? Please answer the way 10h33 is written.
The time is 4h35
